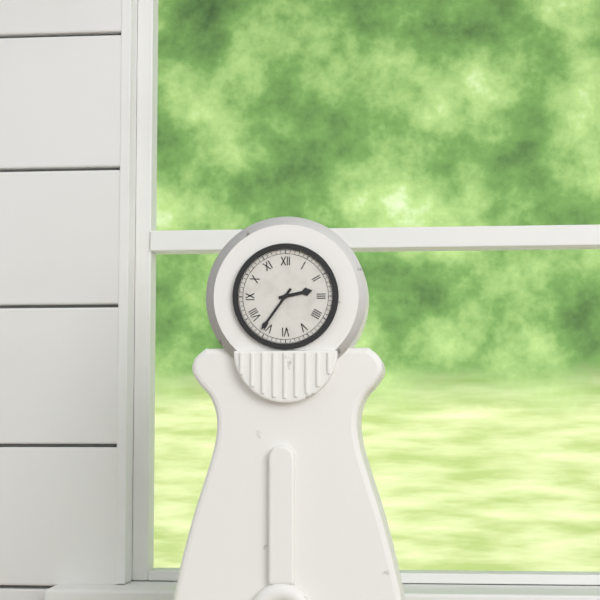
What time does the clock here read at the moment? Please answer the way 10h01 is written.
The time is 2h36
